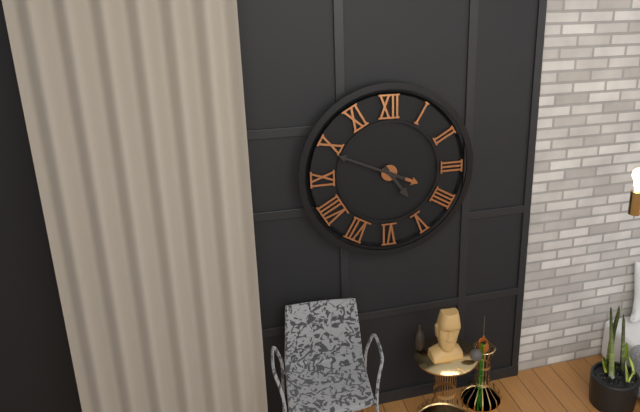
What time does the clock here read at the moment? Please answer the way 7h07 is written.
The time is 4h49
